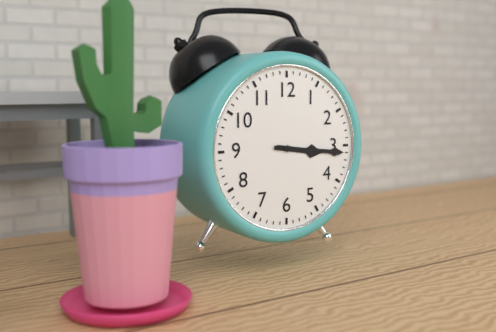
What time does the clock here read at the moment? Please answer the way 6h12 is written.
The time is 3h16
